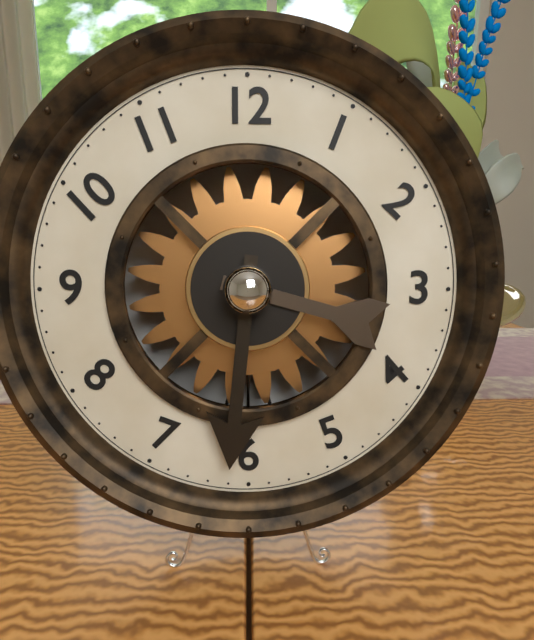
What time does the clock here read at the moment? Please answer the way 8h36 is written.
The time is 3h31
